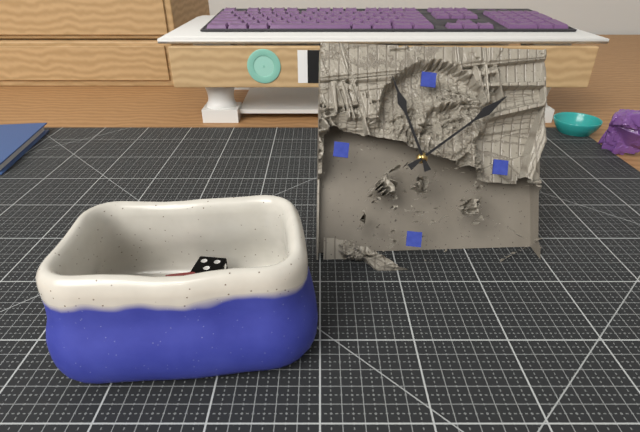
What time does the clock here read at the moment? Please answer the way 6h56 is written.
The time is 11h08
